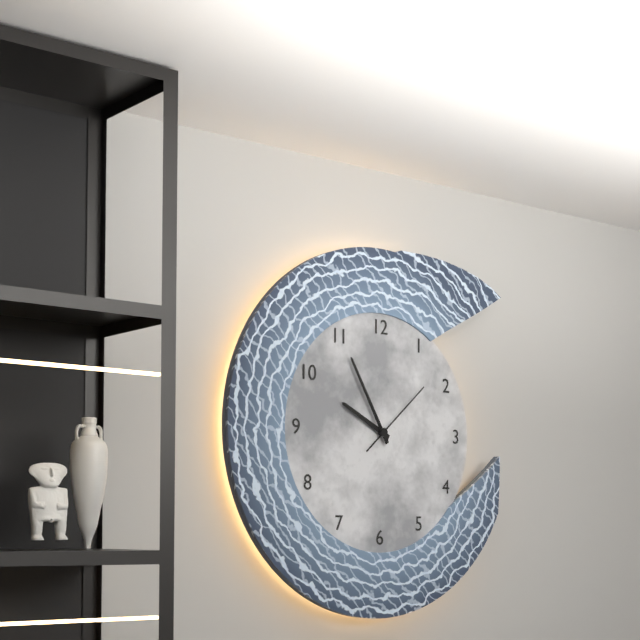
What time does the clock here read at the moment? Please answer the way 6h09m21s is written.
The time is 9h55m08s
